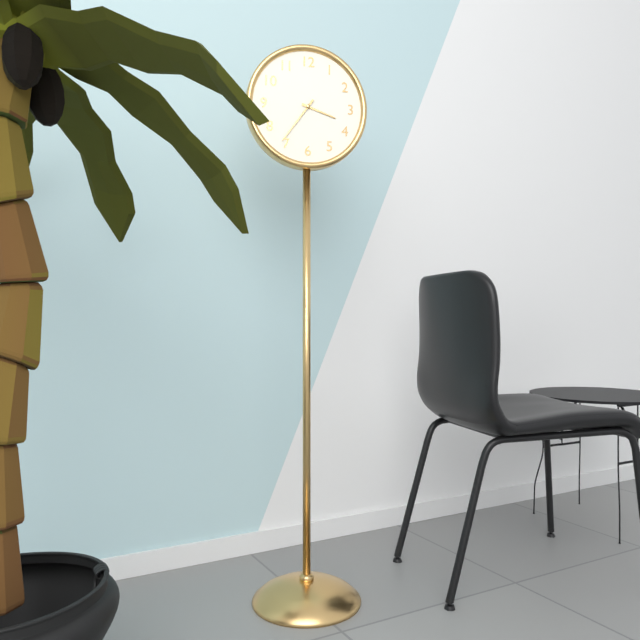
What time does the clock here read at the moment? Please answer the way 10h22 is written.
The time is 3h36
